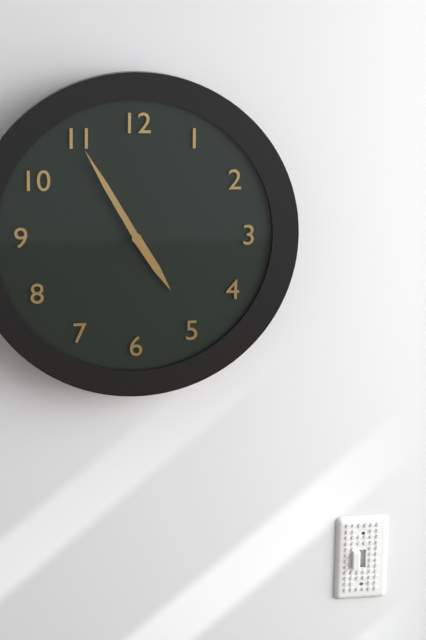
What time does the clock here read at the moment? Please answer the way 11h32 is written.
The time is 4h55
